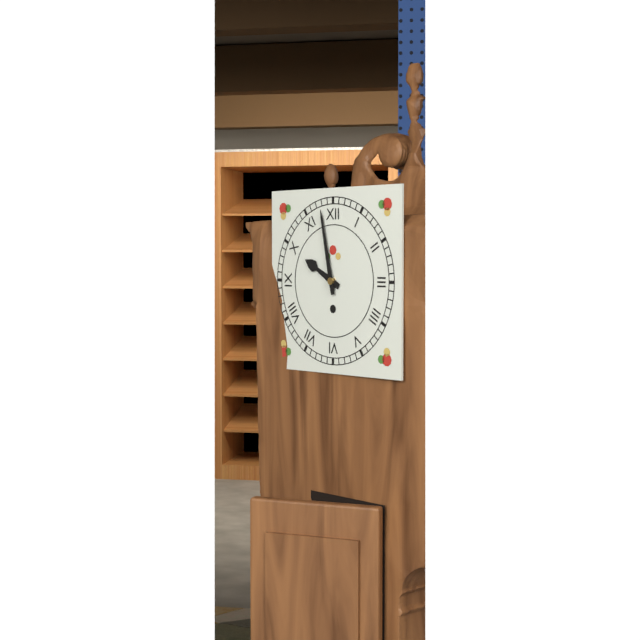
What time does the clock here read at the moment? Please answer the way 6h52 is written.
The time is 9h58
